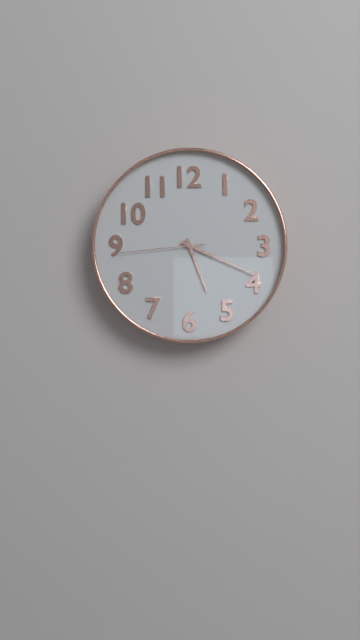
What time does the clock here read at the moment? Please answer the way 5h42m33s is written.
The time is 5h19m44s
